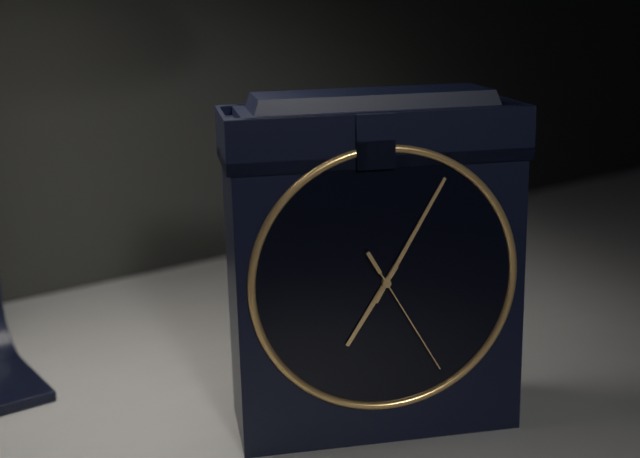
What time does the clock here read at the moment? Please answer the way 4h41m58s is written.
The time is 7h05m25s
